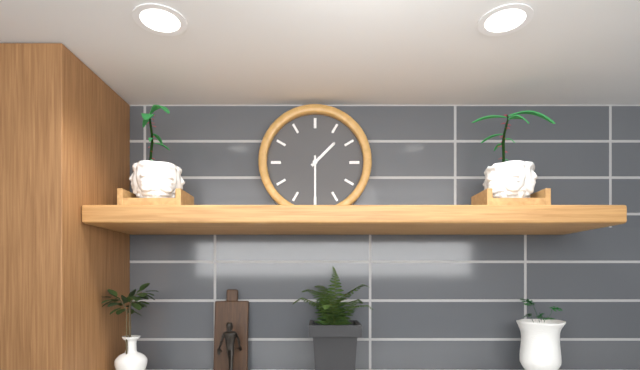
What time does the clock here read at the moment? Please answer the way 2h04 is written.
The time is 1h30
